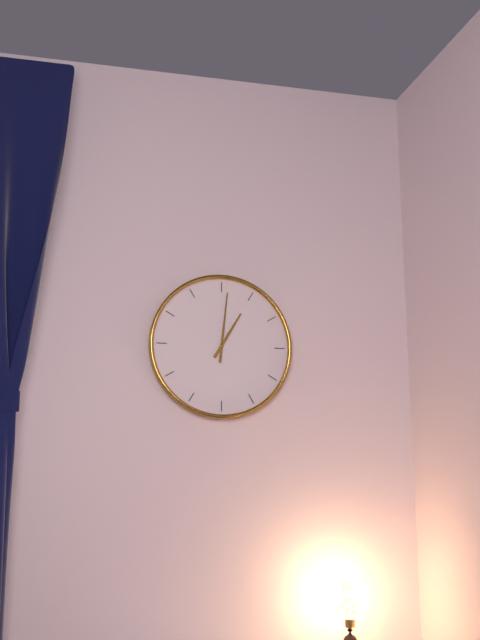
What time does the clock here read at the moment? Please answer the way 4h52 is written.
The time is 1h01
